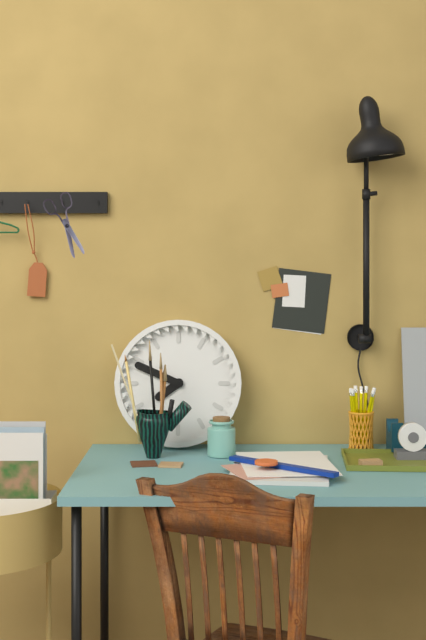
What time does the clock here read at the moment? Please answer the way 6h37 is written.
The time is 7h49
